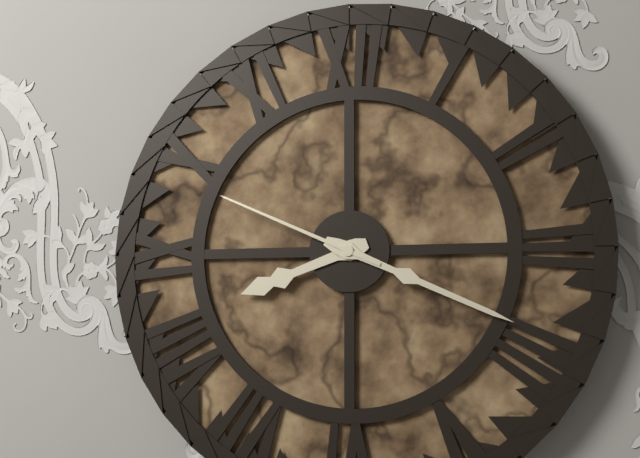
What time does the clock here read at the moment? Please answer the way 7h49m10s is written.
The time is 8h19m49s
